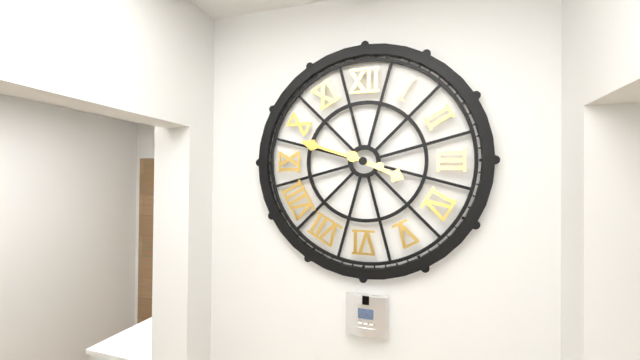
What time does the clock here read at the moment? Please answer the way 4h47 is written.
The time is 3h48
